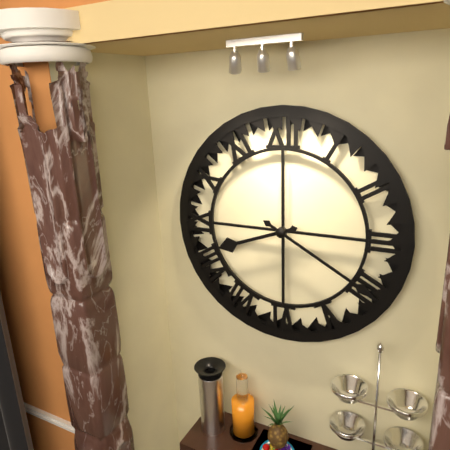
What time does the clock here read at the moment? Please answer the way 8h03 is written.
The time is 8h20
